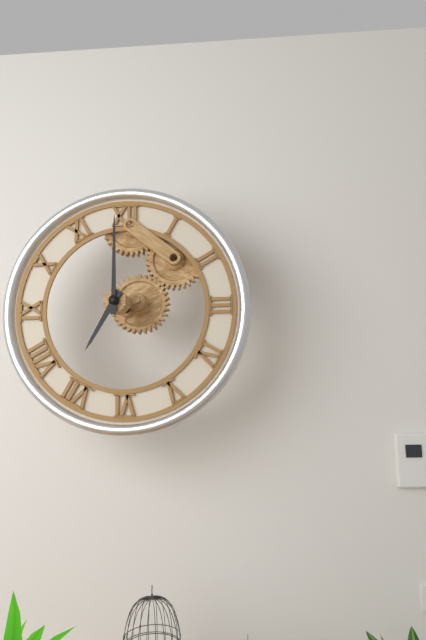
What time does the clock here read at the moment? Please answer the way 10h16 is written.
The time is 7h00
